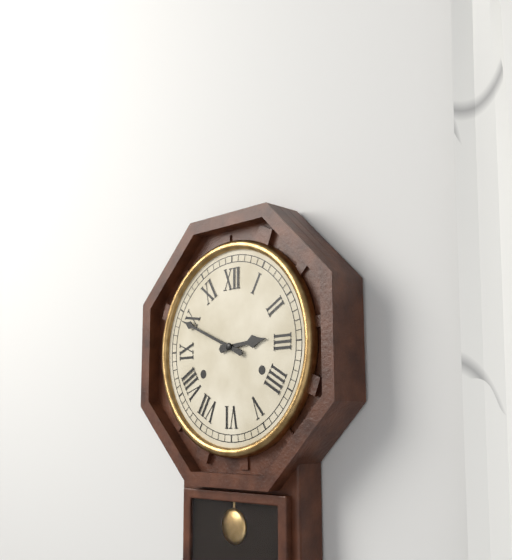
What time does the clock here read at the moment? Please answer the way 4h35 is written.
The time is 2h49
